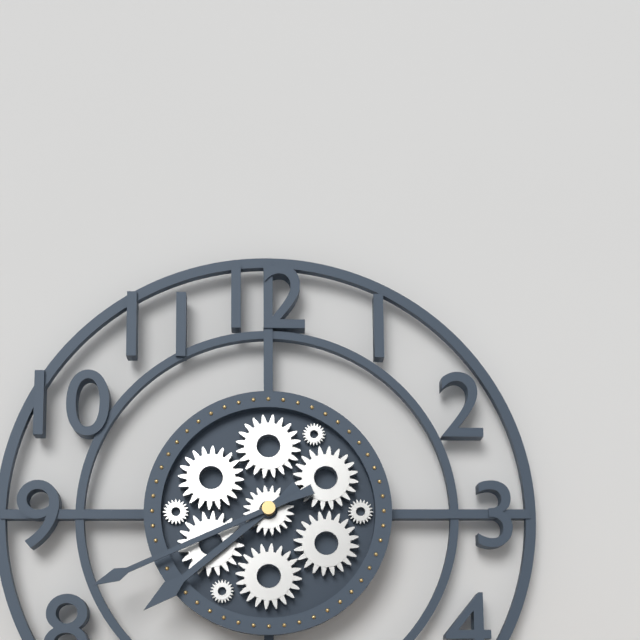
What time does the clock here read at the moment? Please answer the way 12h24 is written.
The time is 7h41
